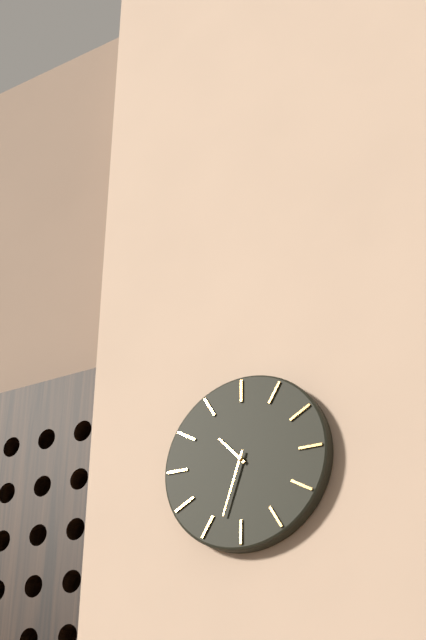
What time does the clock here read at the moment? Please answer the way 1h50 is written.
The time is 10h33
